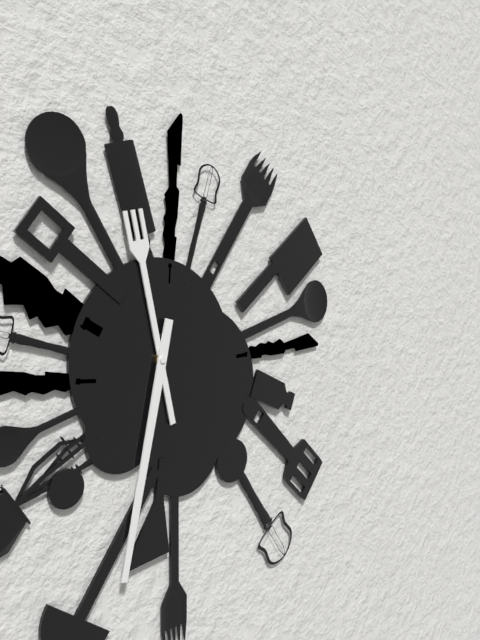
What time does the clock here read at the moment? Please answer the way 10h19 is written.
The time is 11h32
